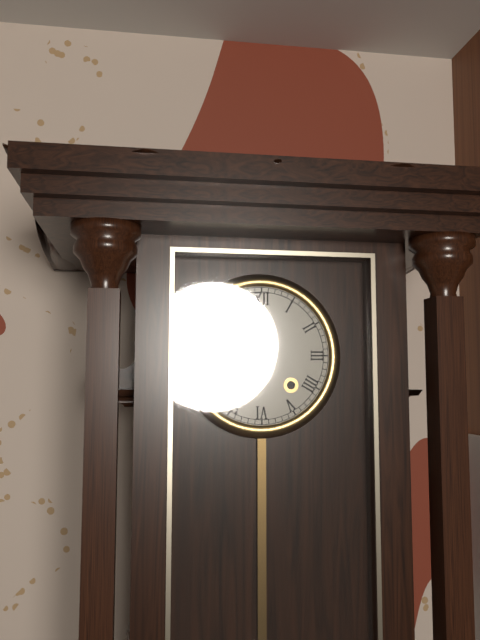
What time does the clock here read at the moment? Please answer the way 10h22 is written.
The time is 9h37
